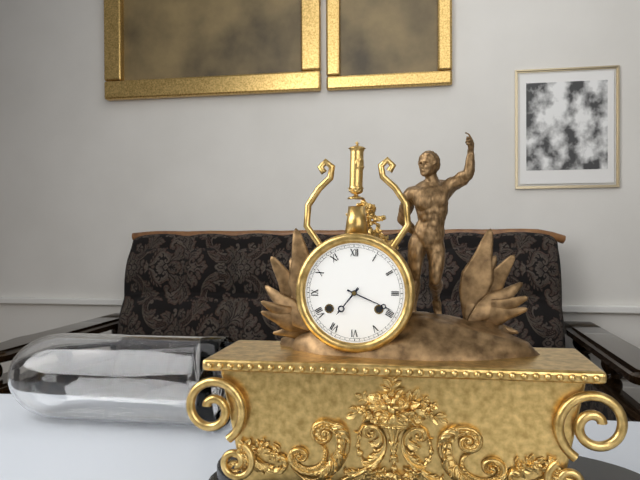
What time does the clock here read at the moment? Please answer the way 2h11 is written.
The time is 7h19
